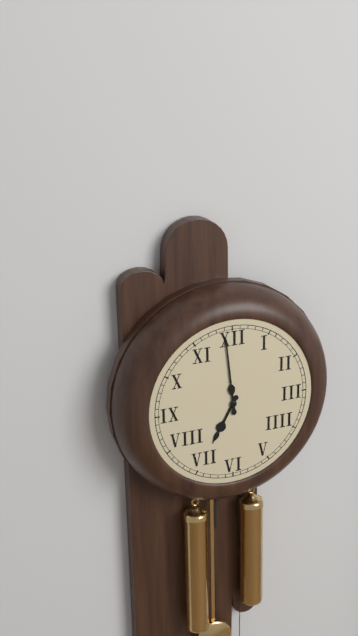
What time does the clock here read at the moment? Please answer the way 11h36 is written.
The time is 6h59
